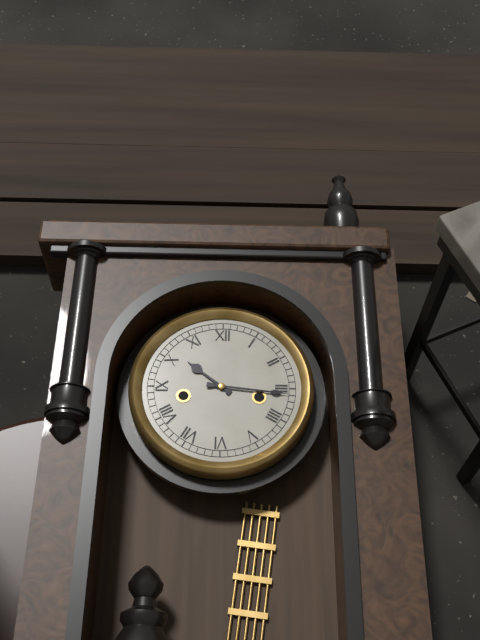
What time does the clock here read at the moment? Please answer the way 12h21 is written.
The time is 10h16
